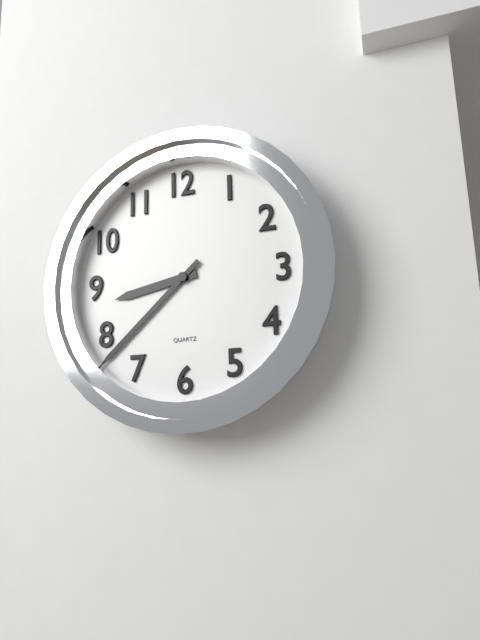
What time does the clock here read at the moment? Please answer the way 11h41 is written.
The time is 8h38
